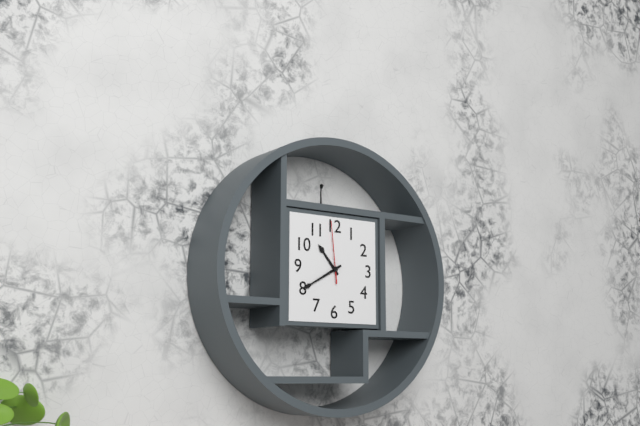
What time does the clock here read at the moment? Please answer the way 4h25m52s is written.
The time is 10h40m59s
